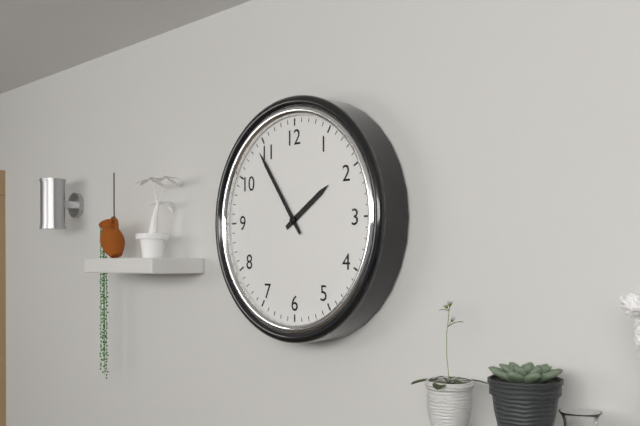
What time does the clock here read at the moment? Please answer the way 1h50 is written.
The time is 1h54
